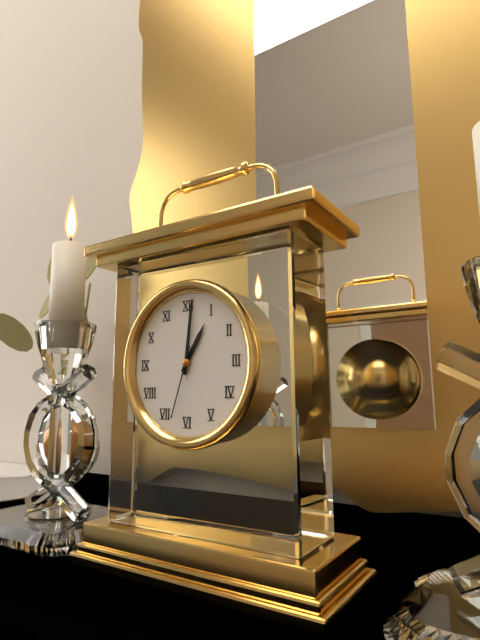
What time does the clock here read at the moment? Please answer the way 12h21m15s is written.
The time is 1h01m33s
